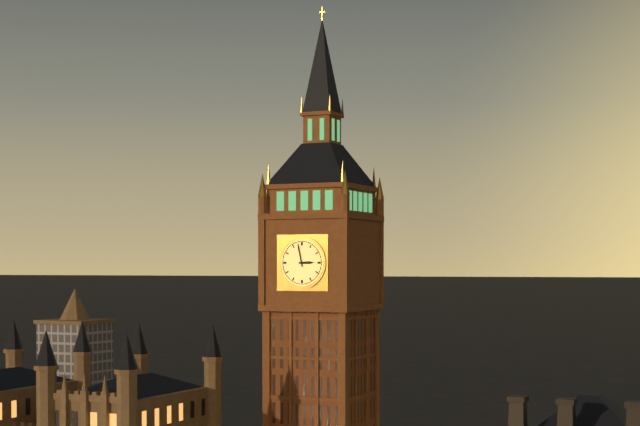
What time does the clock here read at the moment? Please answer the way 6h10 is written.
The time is 2h58
